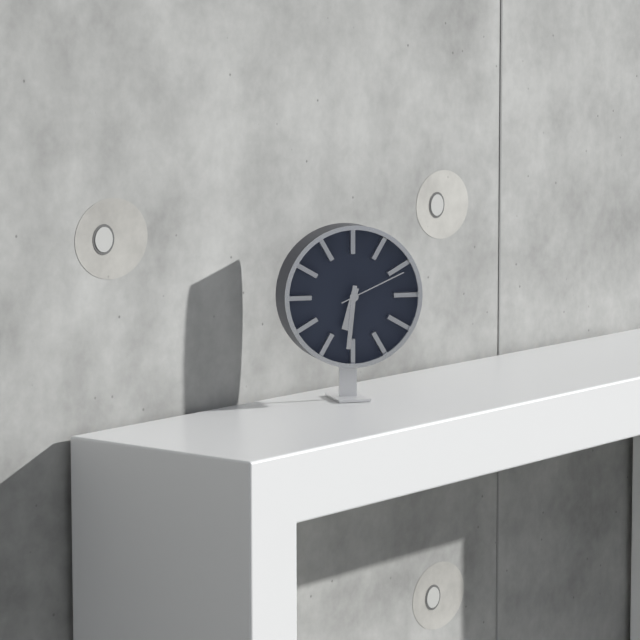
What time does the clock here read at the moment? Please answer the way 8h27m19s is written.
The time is 6h31m11s
